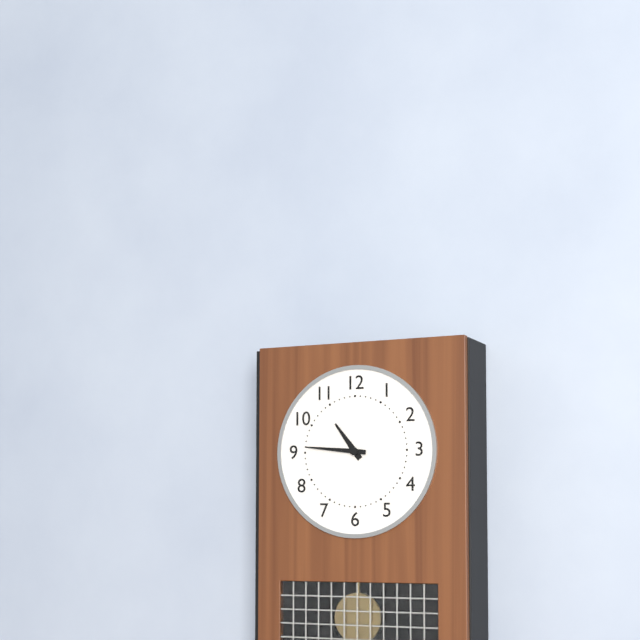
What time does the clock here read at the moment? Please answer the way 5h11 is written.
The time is 10h46
